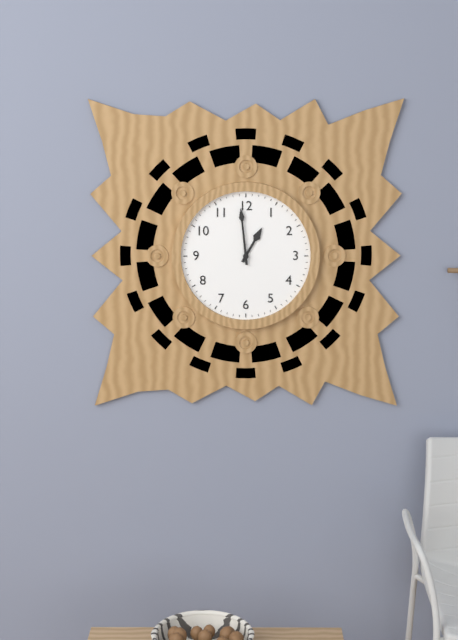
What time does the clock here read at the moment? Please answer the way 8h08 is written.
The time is 12h59
